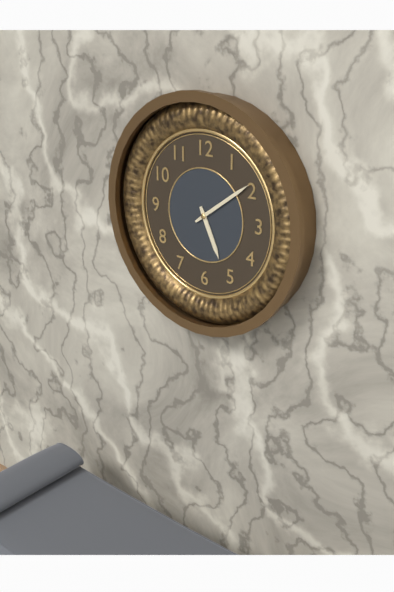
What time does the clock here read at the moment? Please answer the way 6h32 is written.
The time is 5h09
